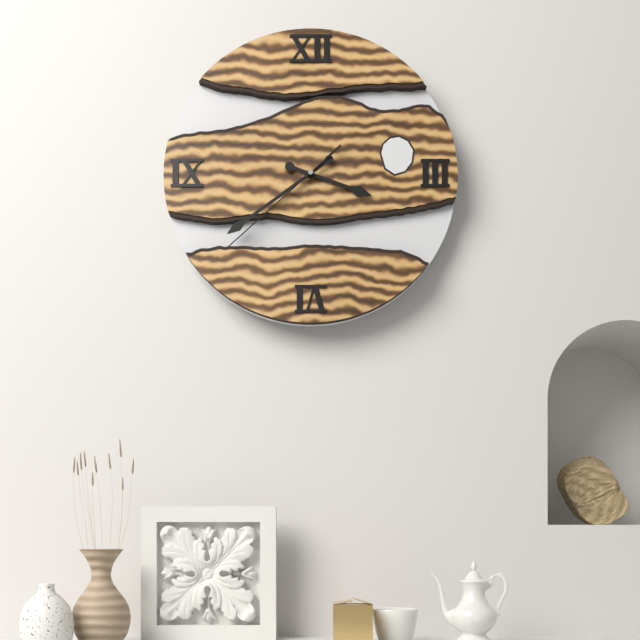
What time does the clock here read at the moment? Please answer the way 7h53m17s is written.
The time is 3h39m38s
